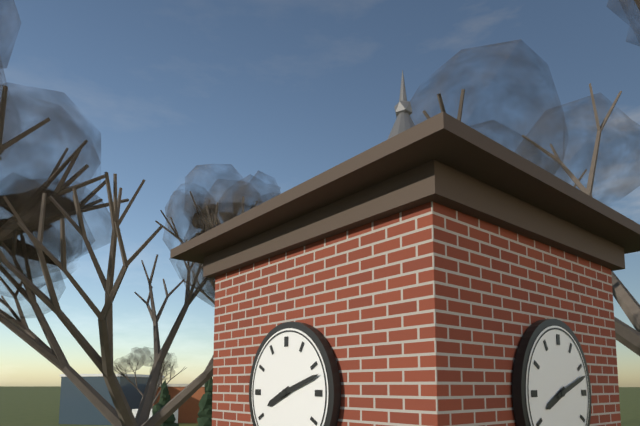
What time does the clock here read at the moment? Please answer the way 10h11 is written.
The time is 8h12
